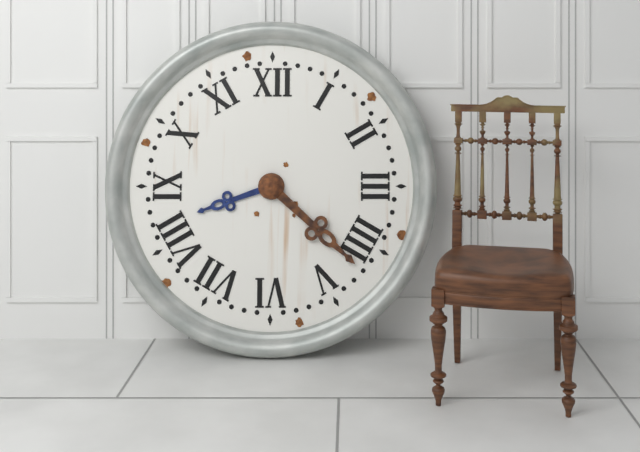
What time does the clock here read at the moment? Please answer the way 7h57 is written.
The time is 8h22
